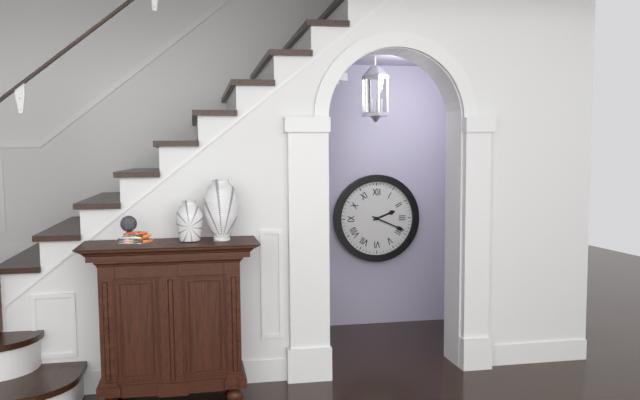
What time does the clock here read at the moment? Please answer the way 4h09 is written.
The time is 2h19
